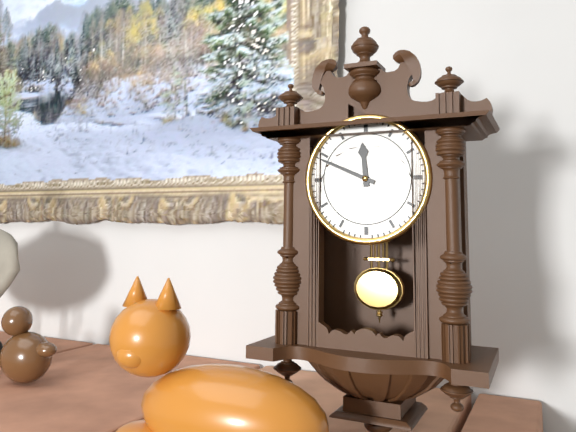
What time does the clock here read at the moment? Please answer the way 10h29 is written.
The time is 11h49
